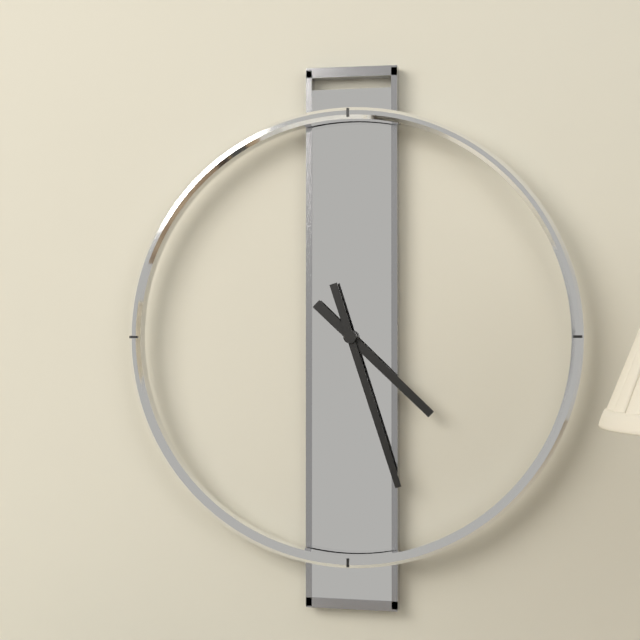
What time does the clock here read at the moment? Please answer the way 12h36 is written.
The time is 4h27
